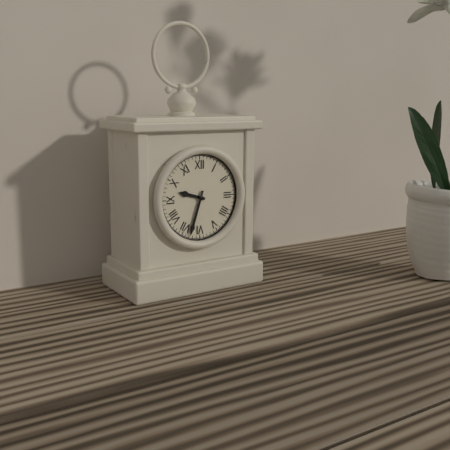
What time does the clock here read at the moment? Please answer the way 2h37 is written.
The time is 9h33
